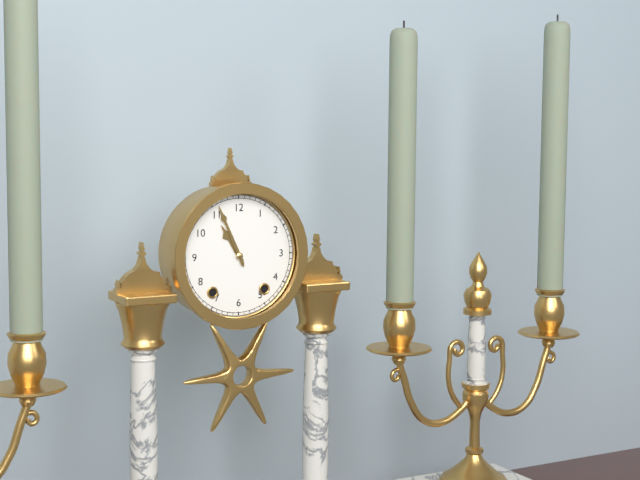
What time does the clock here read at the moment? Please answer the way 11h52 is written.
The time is 10h56
